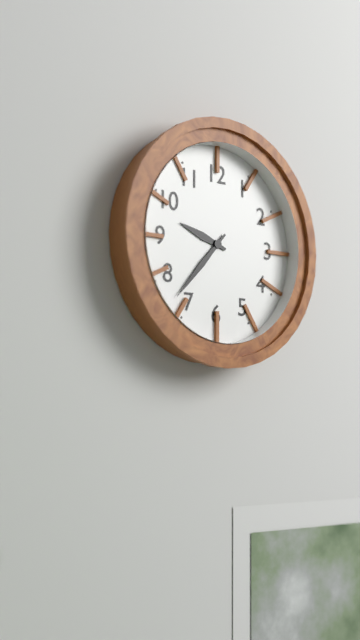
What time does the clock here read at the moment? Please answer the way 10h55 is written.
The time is 9h37
